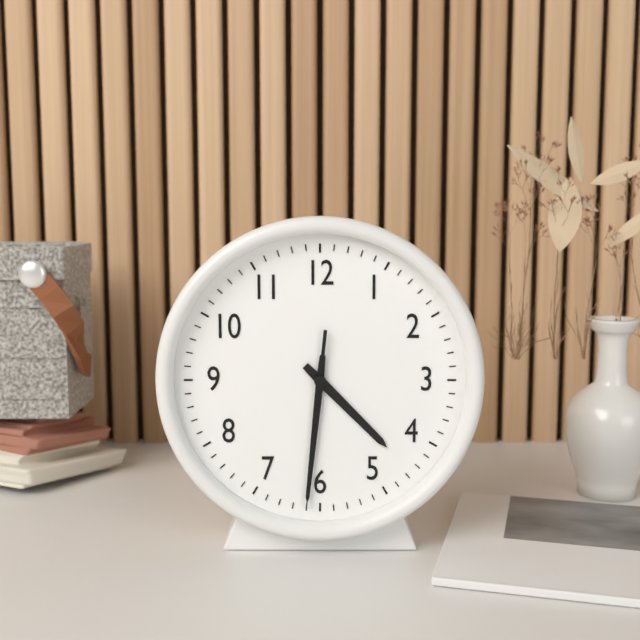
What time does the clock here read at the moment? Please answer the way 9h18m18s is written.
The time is 4h31m31s
